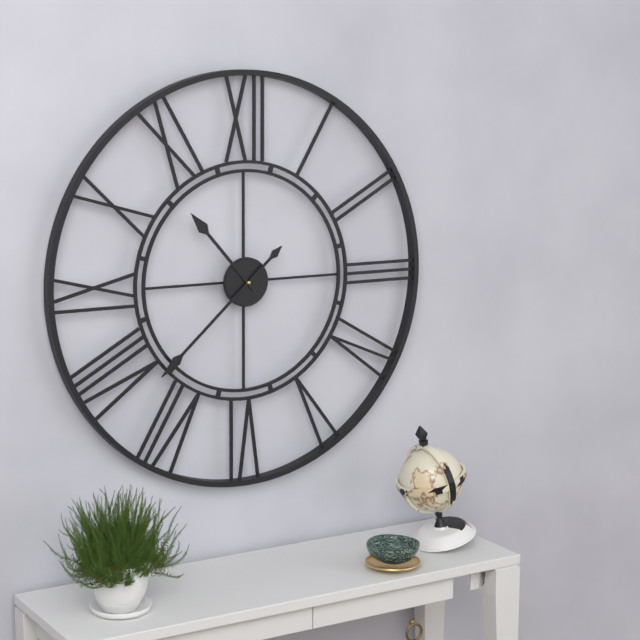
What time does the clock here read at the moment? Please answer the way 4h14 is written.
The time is 10h38
